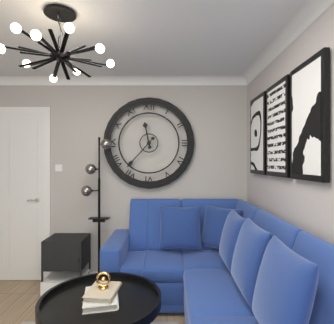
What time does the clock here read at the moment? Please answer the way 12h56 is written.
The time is 11h37
